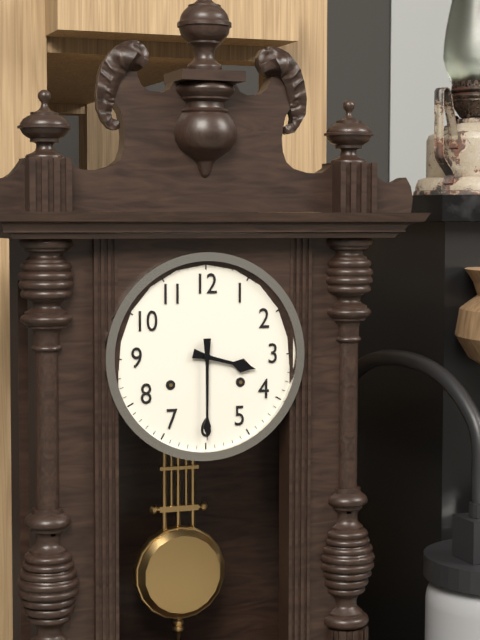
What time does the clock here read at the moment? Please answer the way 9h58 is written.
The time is 3h30
